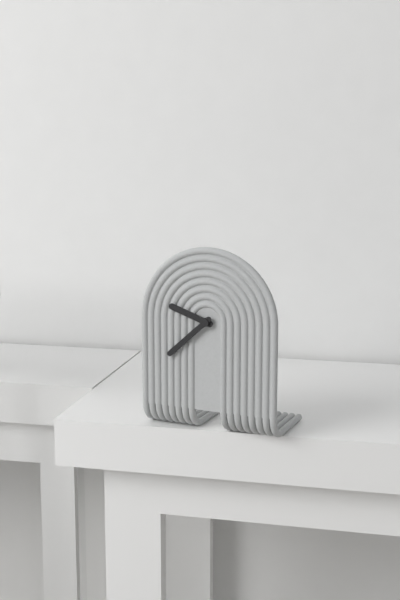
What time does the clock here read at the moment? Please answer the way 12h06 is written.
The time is 9h38
